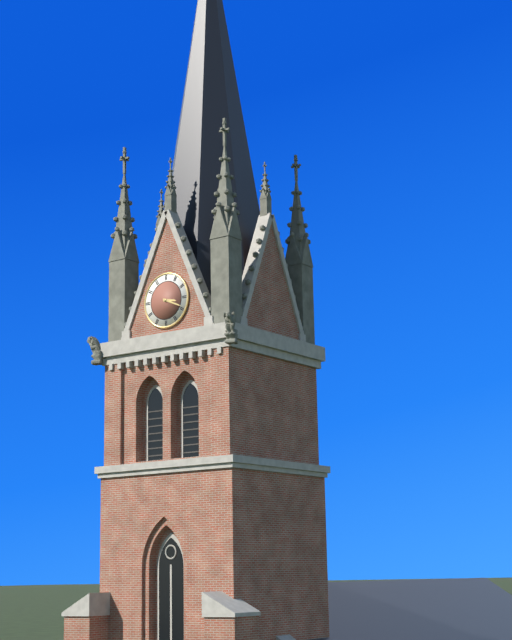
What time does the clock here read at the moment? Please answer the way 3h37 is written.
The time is 3h19
